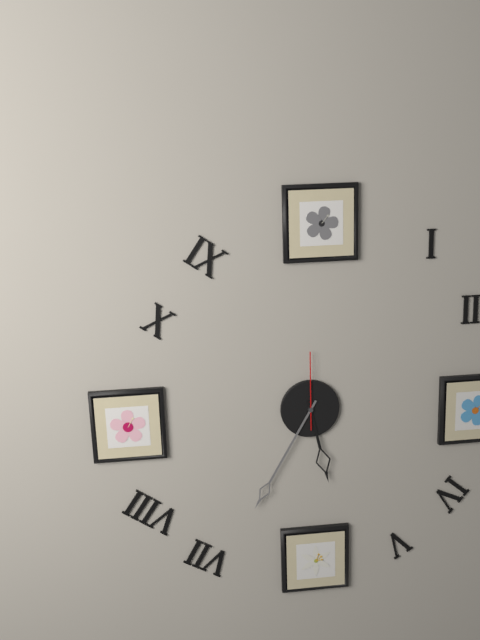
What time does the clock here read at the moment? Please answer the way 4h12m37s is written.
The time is 5h35m00s
